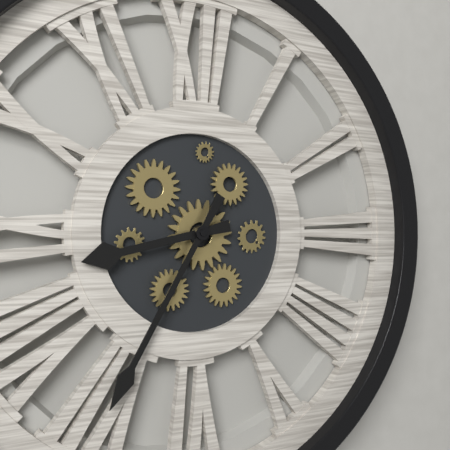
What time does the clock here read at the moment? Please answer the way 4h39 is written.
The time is 8h35
